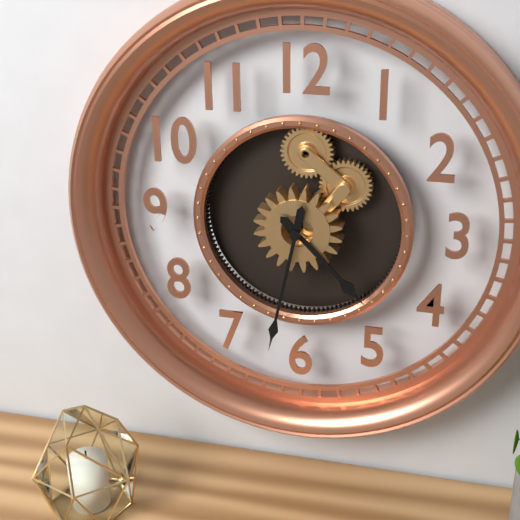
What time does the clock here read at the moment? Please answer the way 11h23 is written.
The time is 4h32
